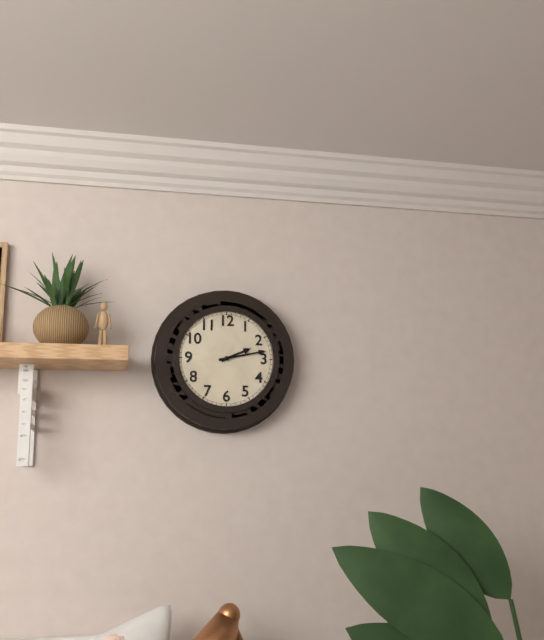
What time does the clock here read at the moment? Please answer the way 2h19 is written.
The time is 2h13
